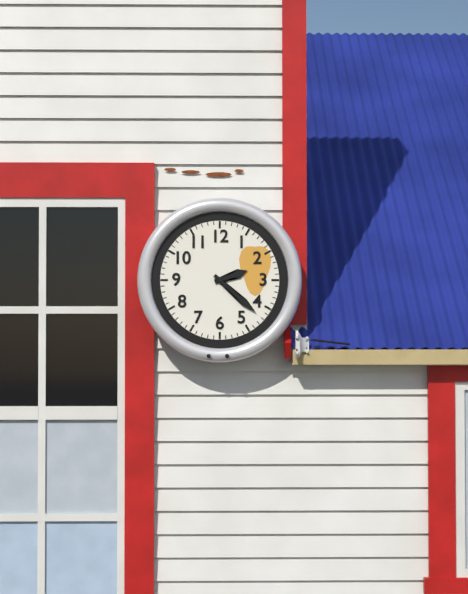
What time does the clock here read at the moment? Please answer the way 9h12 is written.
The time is 2h22
